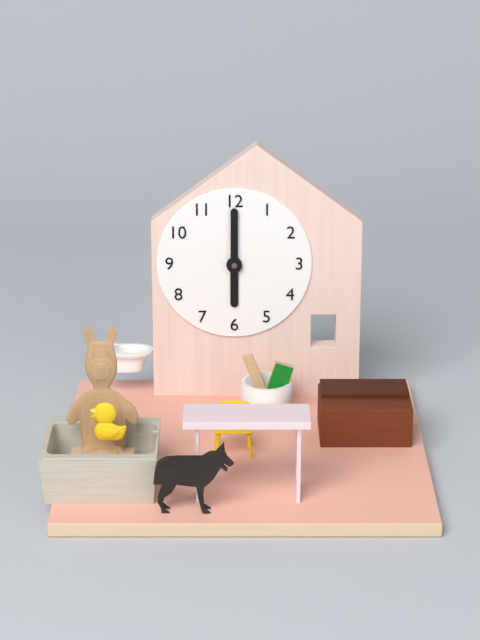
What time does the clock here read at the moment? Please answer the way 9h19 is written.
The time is 6h00
